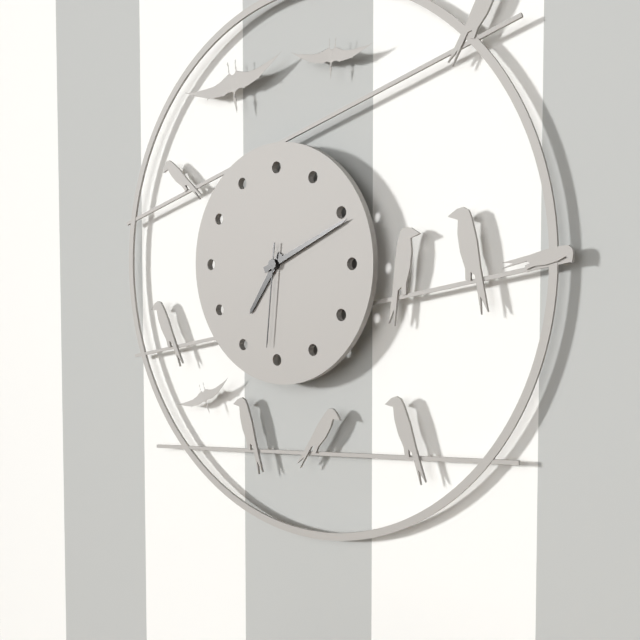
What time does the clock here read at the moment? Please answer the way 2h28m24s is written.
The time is 7h11m31s
